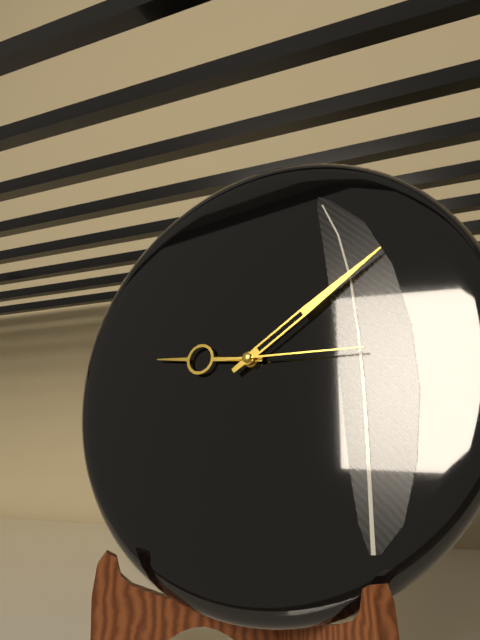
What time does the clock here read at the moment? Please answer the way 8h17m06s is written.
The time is 9h09m15s
